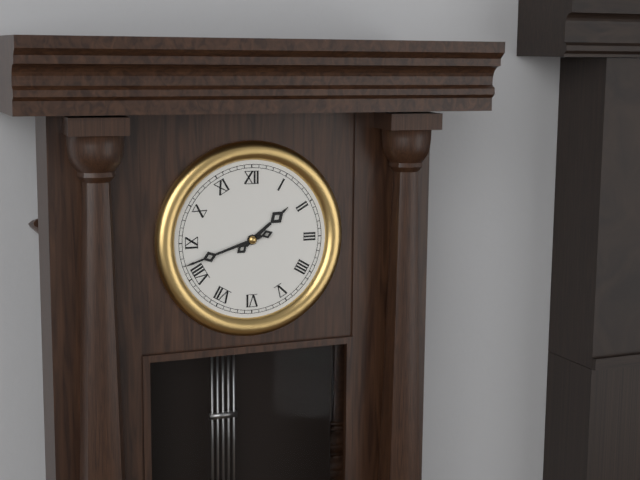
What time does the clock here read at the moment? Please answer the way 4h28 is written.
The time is 1h42
